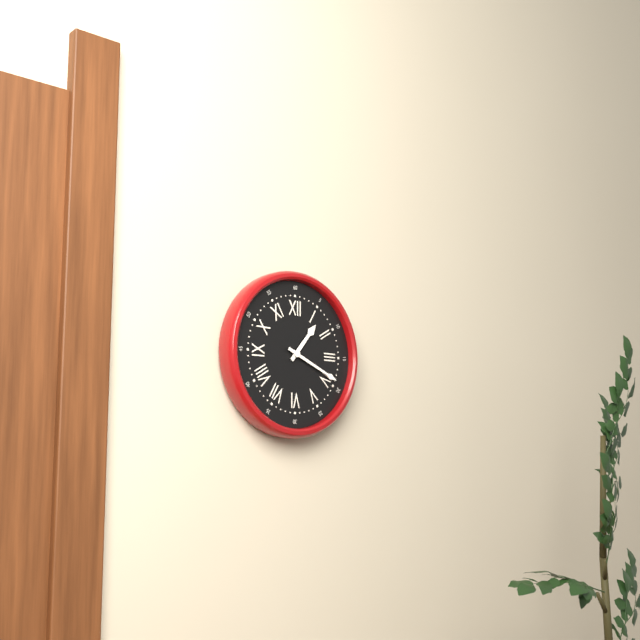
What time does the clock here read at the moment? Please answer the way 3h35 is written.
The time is 1h19
